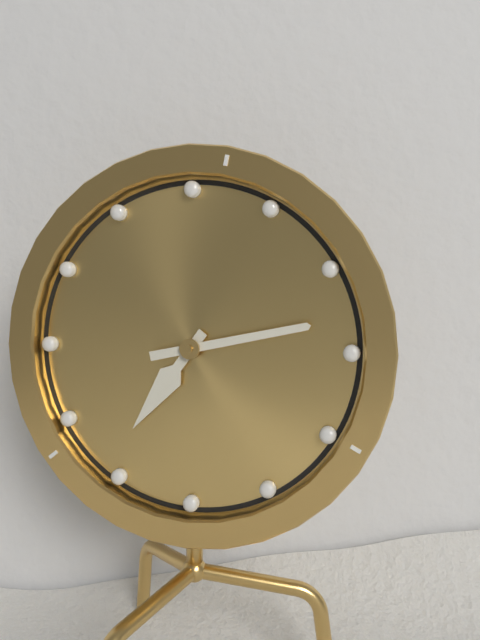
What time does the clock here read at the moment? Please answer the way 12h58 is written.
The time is 7h13
